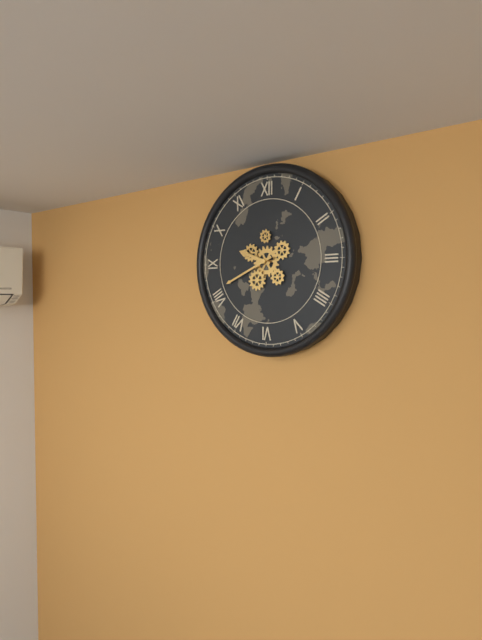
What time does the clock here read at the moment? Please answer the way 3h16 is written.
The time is 9h41
